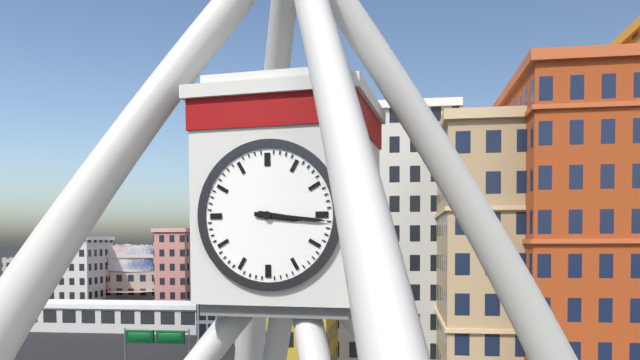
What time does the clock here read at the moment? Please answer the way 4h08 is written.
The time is 3h16
